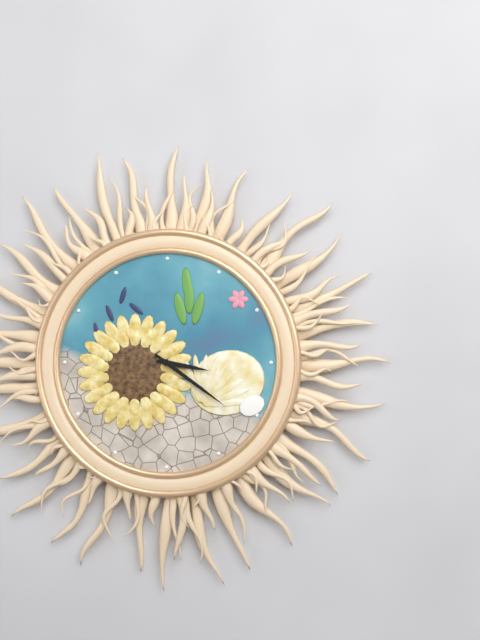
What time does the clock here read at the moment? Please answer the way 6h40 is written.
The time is 3h21
